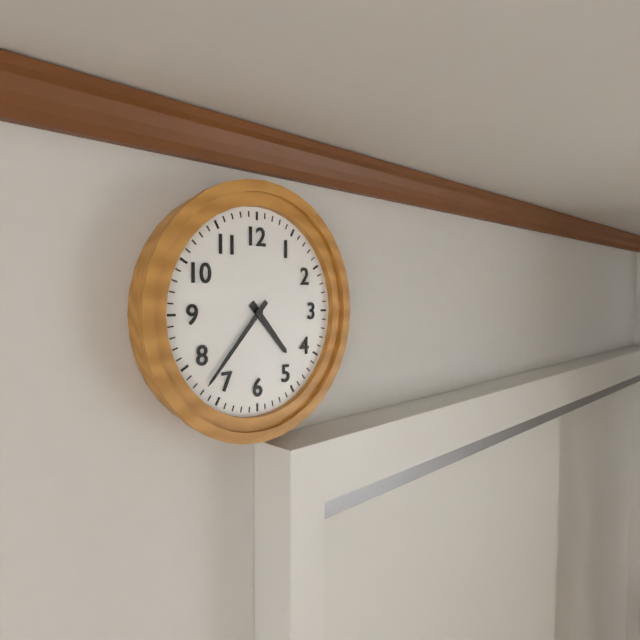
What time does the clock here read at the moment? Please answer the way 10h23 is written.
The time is 4h37
